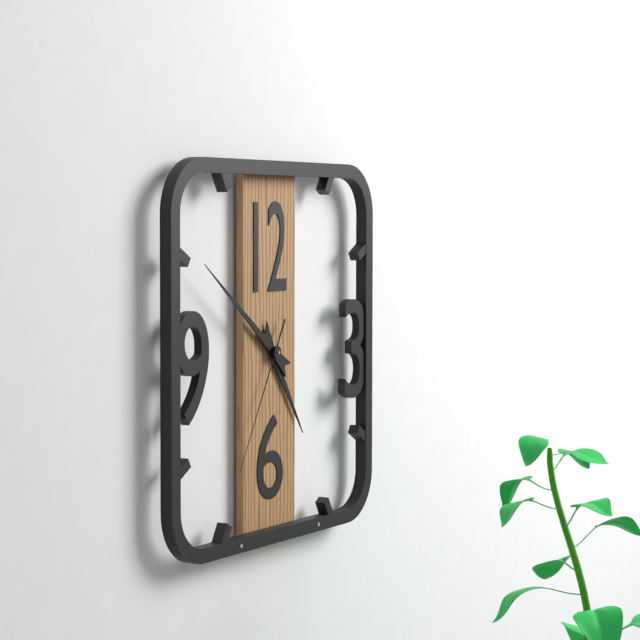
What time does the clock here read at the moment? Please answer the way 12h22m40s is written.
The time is 4h51m35s
